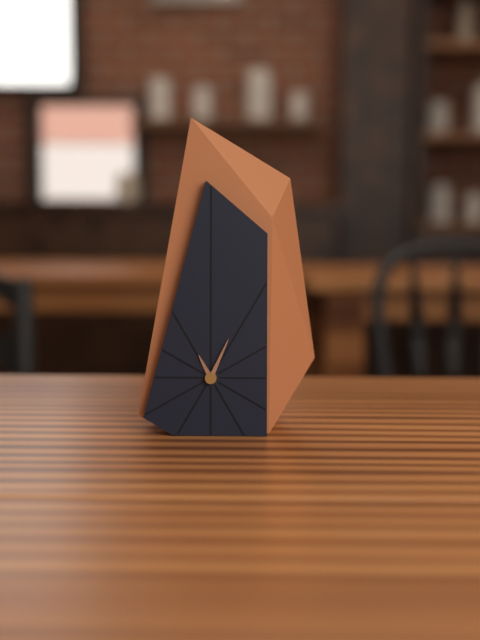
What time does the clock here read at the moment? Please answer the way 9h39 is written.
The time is 11h04
